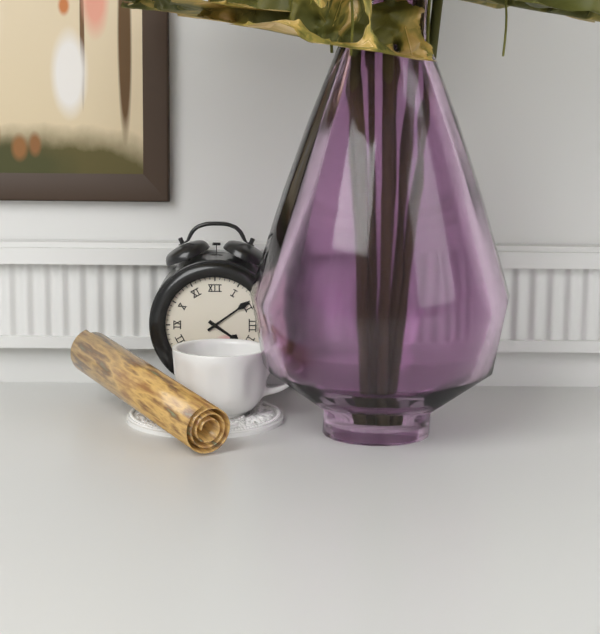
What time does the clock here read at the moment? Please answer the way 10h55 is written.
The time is 4h09
